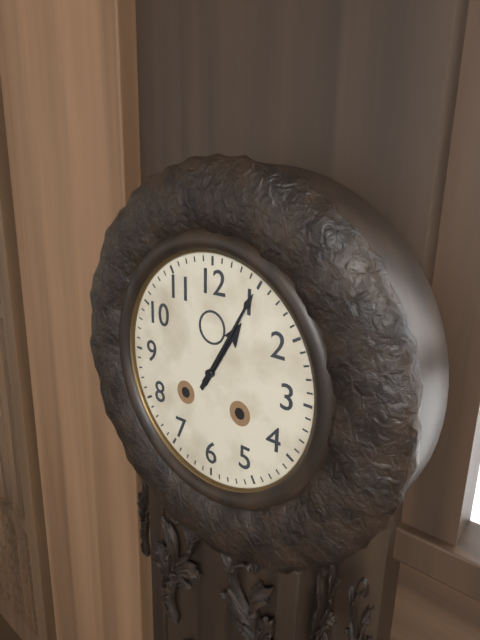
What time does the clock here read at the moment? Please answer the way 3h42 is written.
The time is 1h05
